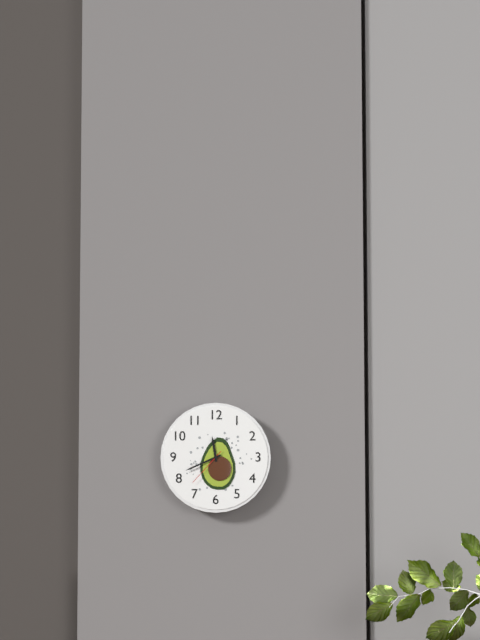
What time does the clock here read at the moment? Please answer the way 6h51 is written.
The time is 11h41
